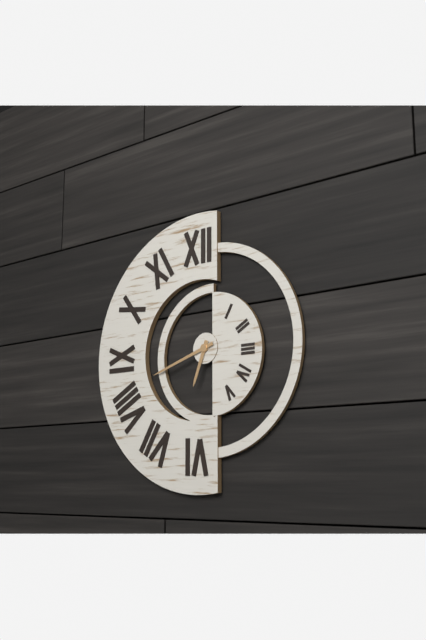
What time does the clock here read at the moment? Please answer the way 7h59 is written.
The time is 6h42
